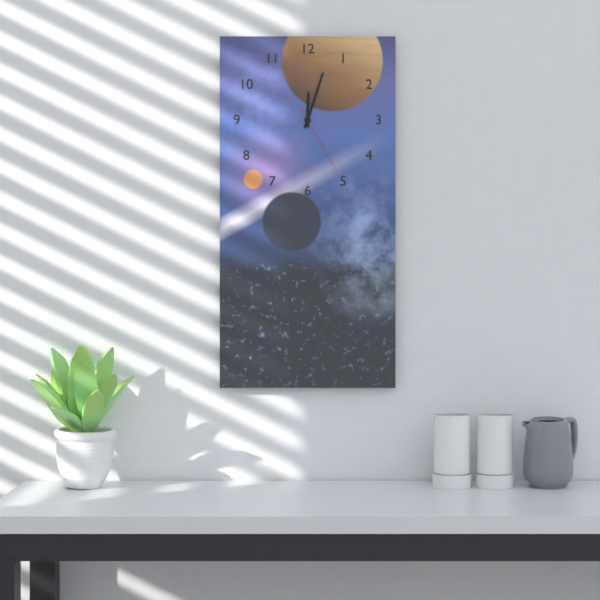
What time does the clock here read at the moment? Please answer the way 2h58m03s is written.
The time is 12h03m25s
